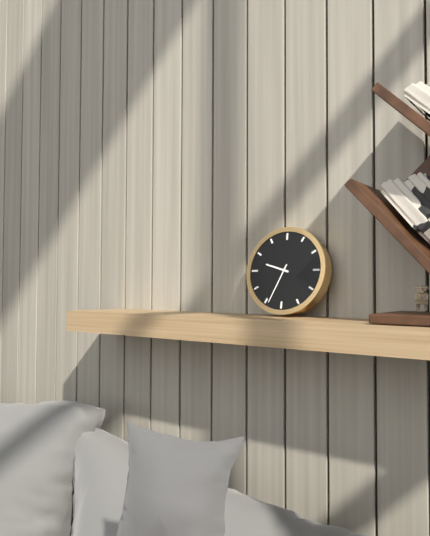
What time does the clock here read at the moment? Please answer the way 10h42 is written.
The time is 9h34
